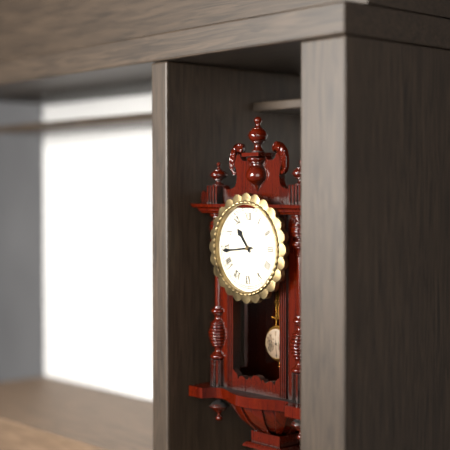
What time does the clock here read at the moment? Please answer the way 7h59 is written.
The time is 10h44
